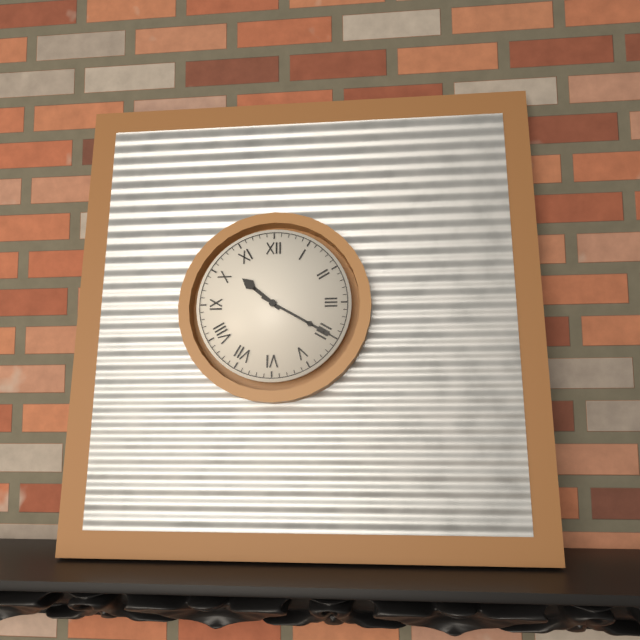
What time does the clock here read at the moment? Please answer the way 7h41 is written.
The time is 10h20
